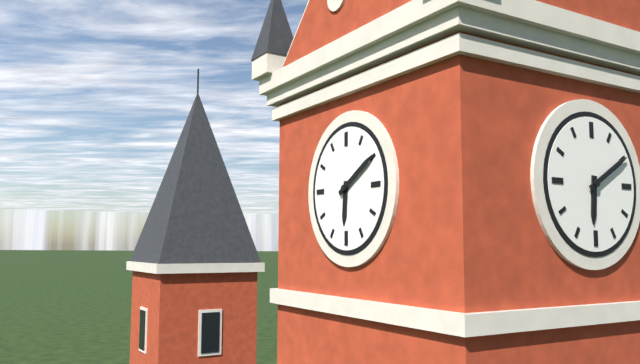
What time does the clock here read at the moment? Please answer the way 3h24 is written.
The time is 6h10
